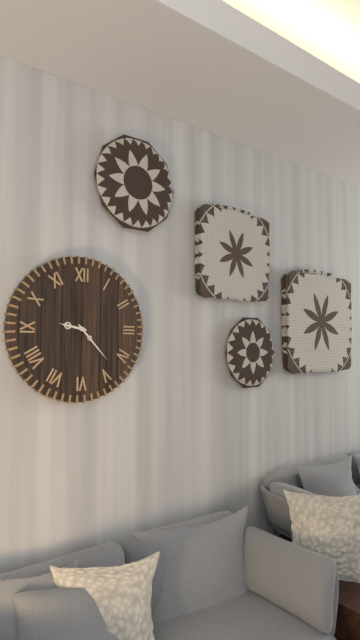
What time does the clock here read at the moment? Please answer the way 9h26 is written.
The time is 9h23
